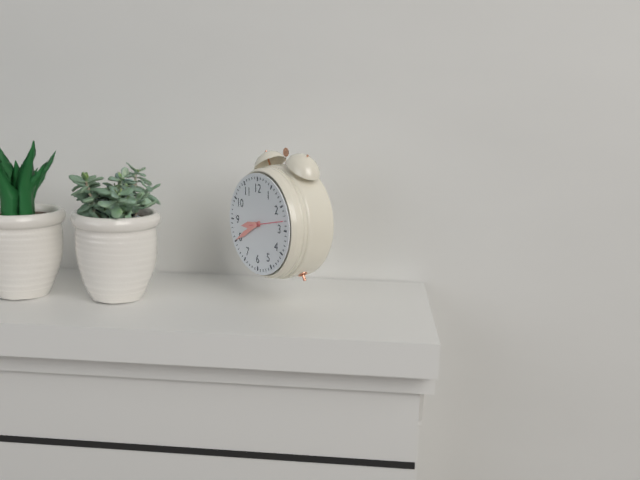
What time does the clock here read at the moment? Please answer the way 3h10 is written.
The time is 8h40
